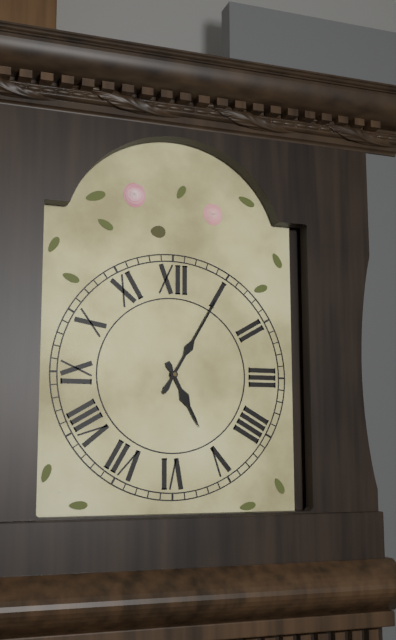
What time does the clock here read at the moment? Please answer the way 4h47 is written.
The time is 5h05
